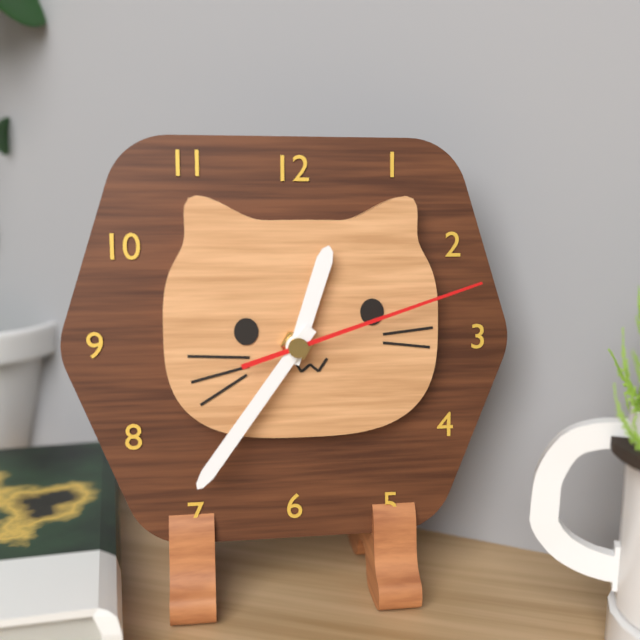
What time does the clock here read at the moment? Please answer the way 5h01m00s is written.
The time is 12h36m12s
